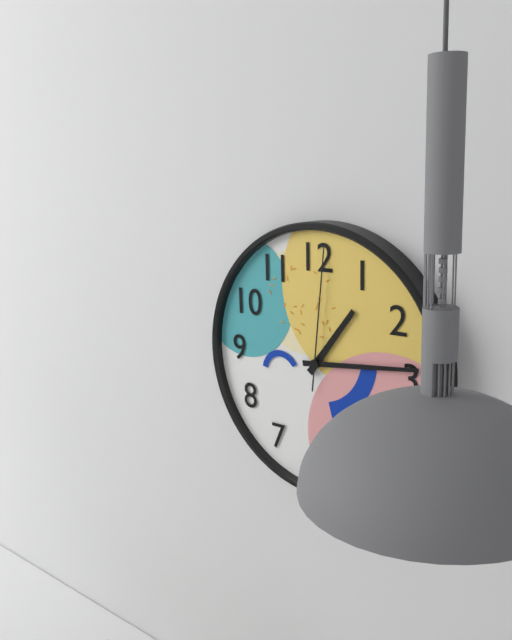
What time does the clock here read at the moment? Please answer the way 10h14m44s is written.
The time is 1h14m01s
